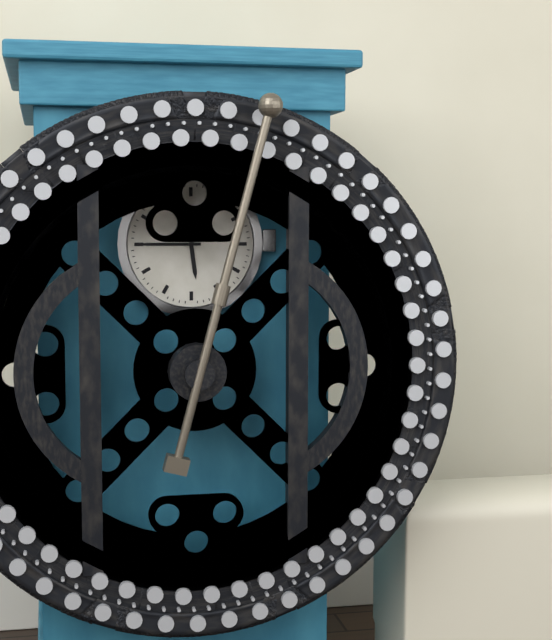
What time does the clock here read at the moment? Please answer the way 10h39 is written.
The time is 5h45
